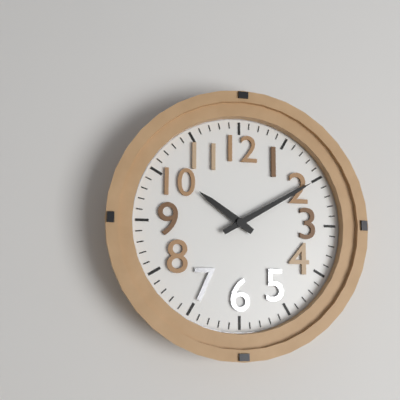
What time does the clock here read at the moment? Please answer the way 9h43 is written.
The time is 10h10
